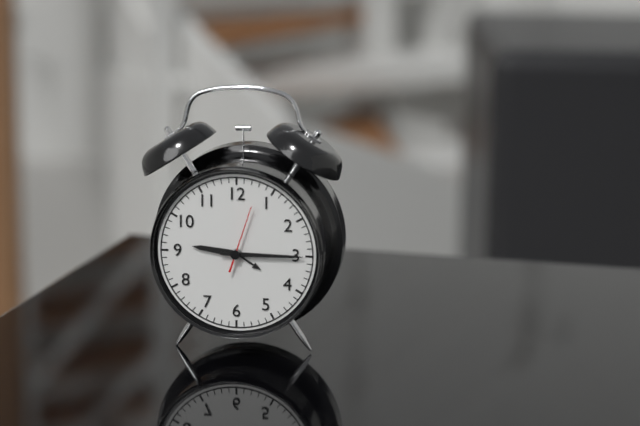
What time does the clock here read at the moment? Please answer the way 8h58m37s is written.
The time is 9h15m03s
